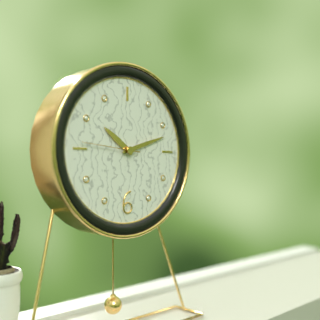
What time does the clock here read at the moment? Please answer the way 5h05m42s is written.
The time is 10h12m46s
